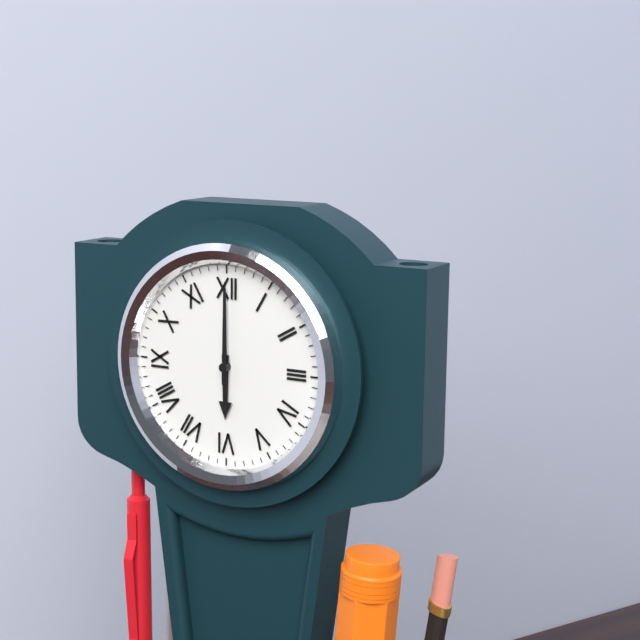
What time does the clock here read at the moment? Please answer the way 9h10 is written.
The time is 6h00
